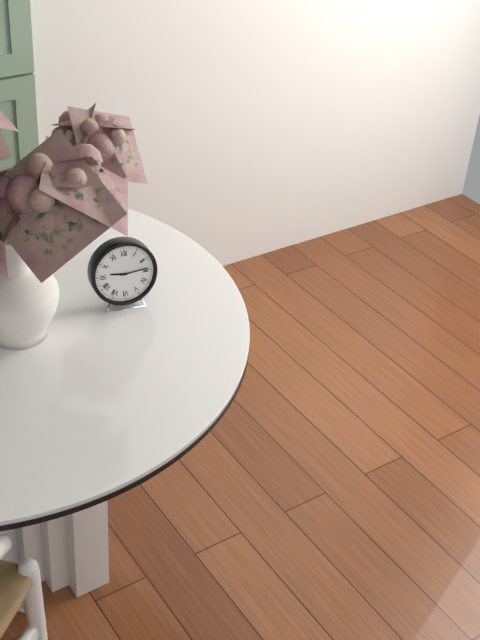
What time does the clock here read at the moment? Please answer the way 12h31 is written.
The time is 9h14
